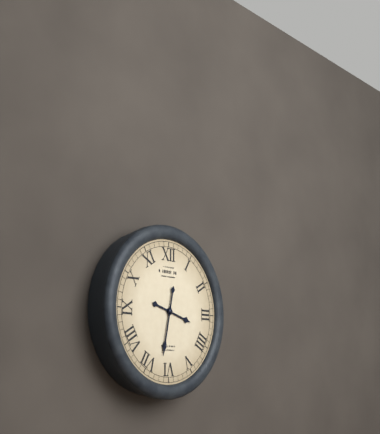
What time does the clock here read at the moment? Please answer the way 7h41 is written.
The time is 3h32
